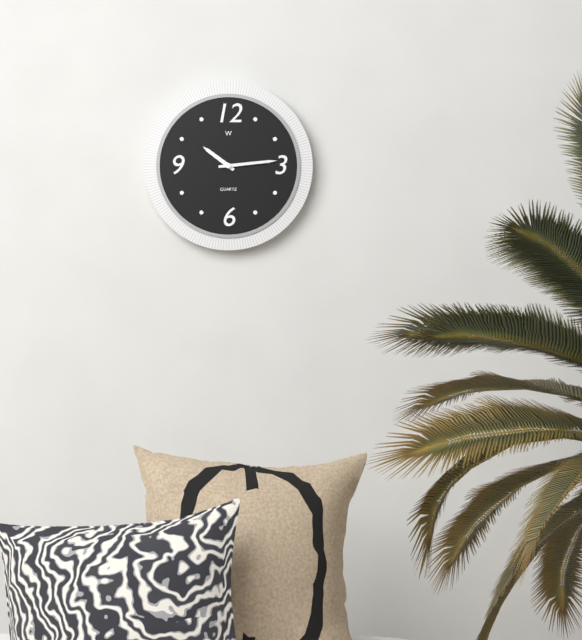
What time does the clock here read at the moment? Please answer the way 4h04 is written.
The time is 10h14
